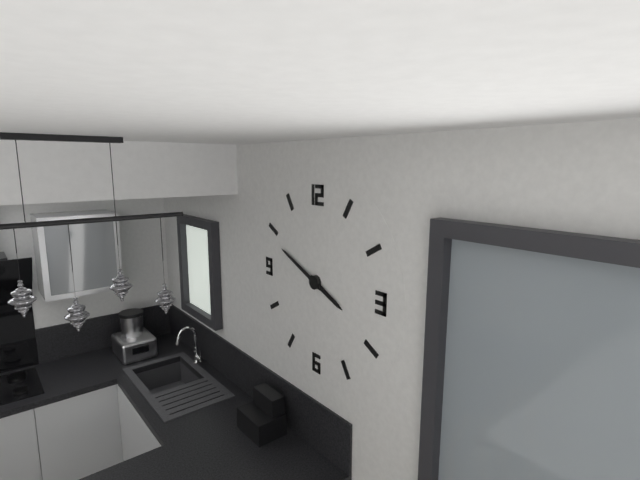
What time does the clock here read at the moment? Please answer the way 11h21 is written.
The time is 3h49
